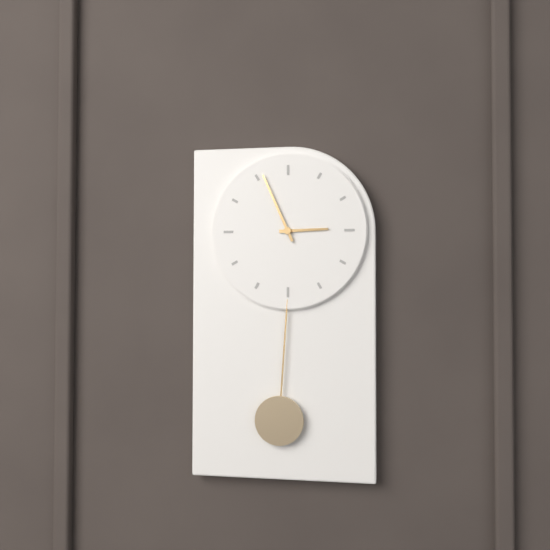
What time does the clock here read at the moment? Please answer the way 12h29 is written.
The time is 2h56
